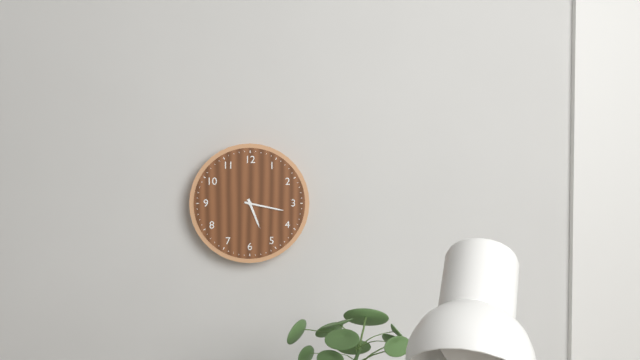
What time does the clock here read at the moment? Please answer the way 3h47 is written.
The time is 5h17
